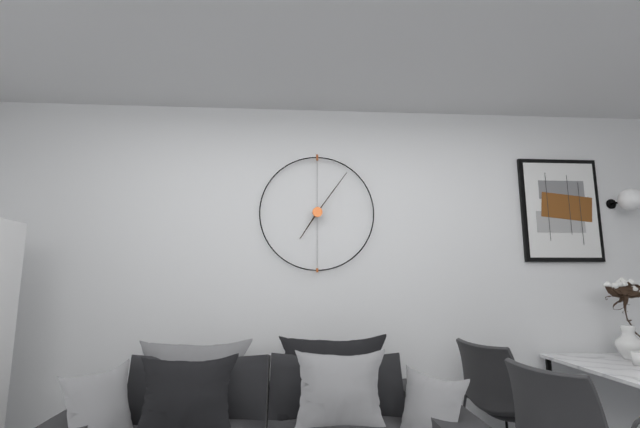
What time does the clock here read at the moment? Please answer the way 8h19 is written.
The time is 7h06
